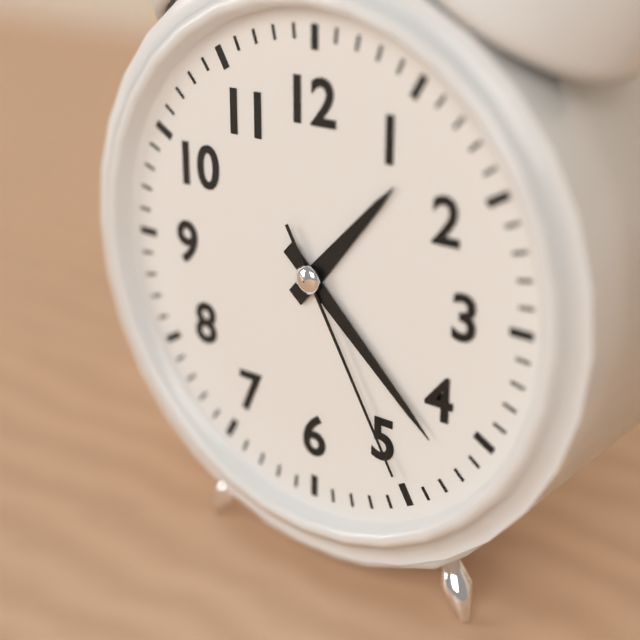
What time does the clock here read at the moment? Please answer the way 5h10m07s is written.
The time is 1h22m25s
